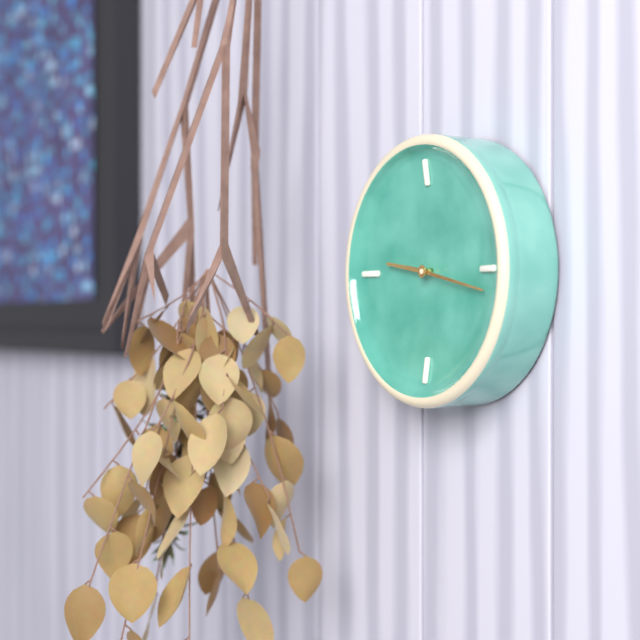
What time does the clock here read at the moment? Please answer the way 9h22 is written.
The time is 9h17
